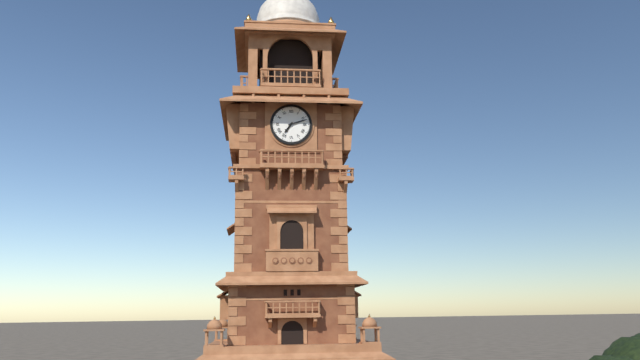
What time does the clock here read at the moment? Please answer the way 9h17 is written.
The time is 7h12
